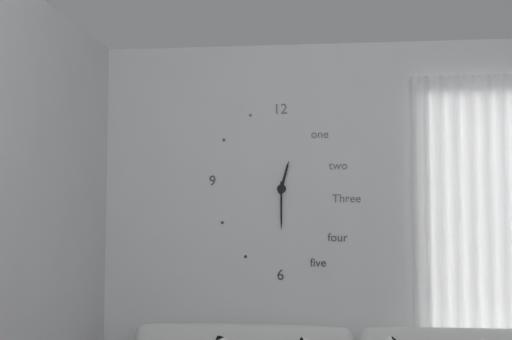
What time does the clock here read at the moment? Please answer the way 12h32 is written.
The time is 12h30
